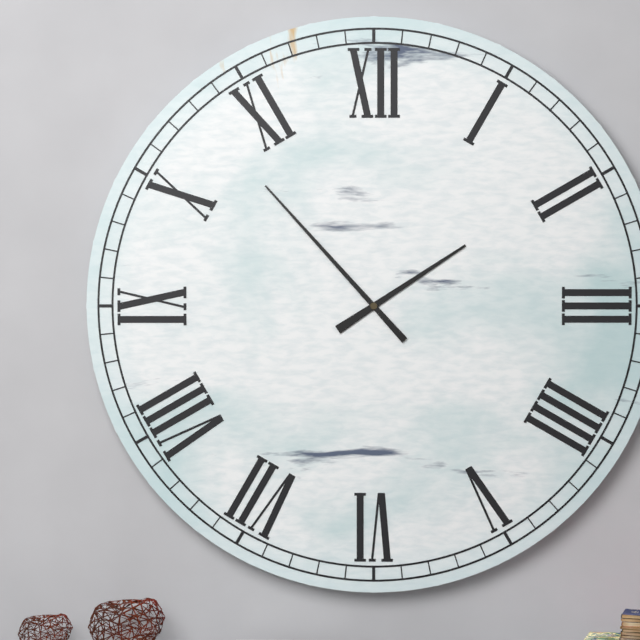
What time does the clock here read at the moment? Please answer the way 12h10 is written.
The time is 1h53
